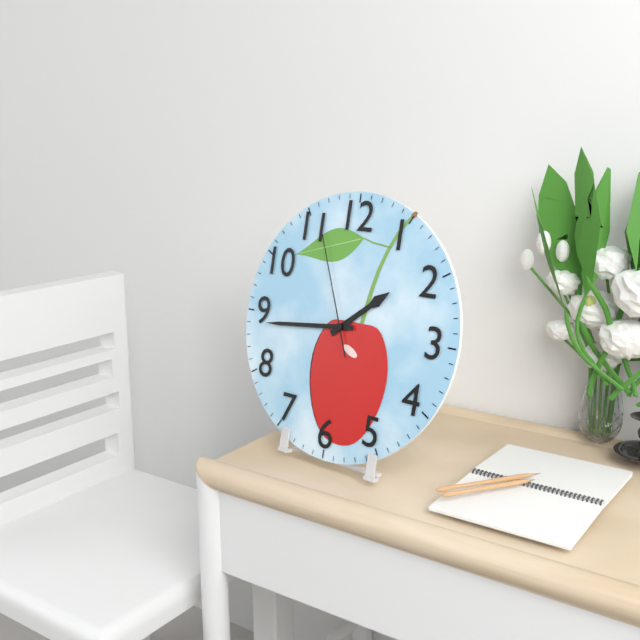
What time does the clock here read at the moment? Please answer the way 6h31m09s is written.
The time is 1h44m56s
